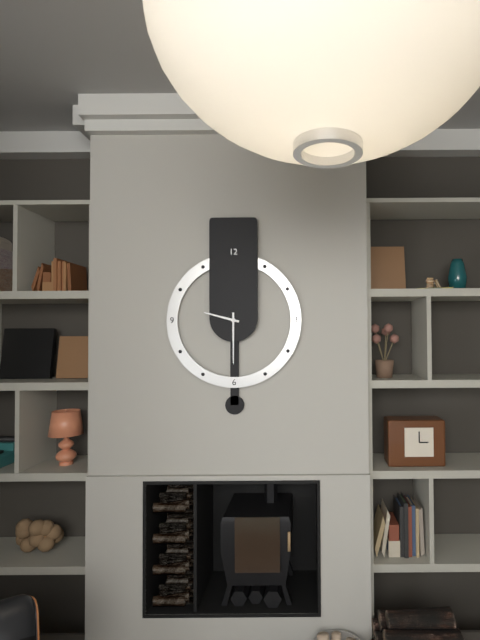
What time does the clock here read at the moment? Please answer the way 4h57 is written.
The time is 9h30
